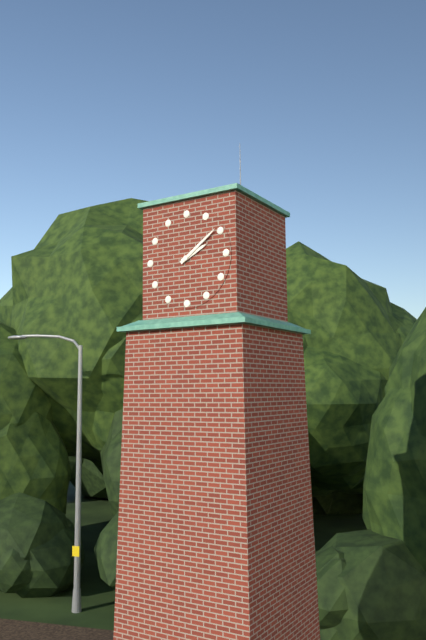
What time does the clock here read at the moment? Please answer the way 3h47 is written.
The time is 2h09
